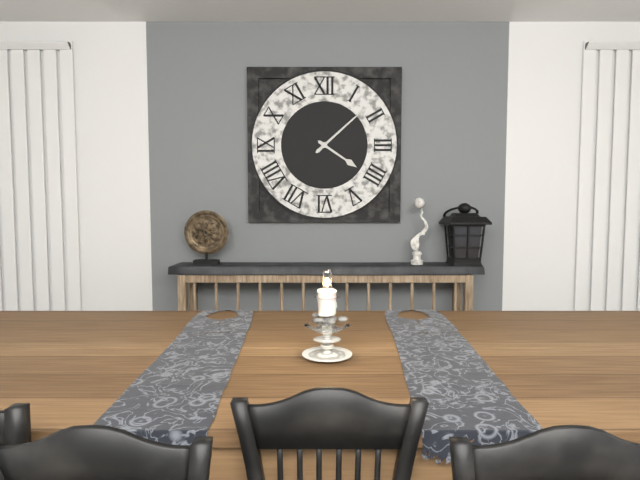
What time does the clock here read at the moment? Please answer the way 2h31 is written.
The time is 4h08
